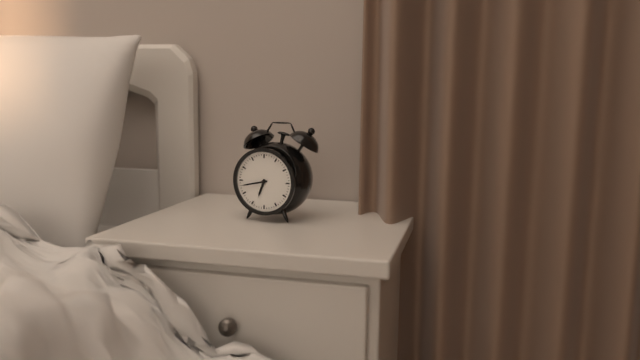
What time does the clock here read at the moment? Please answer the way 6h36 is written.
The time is 6h43
